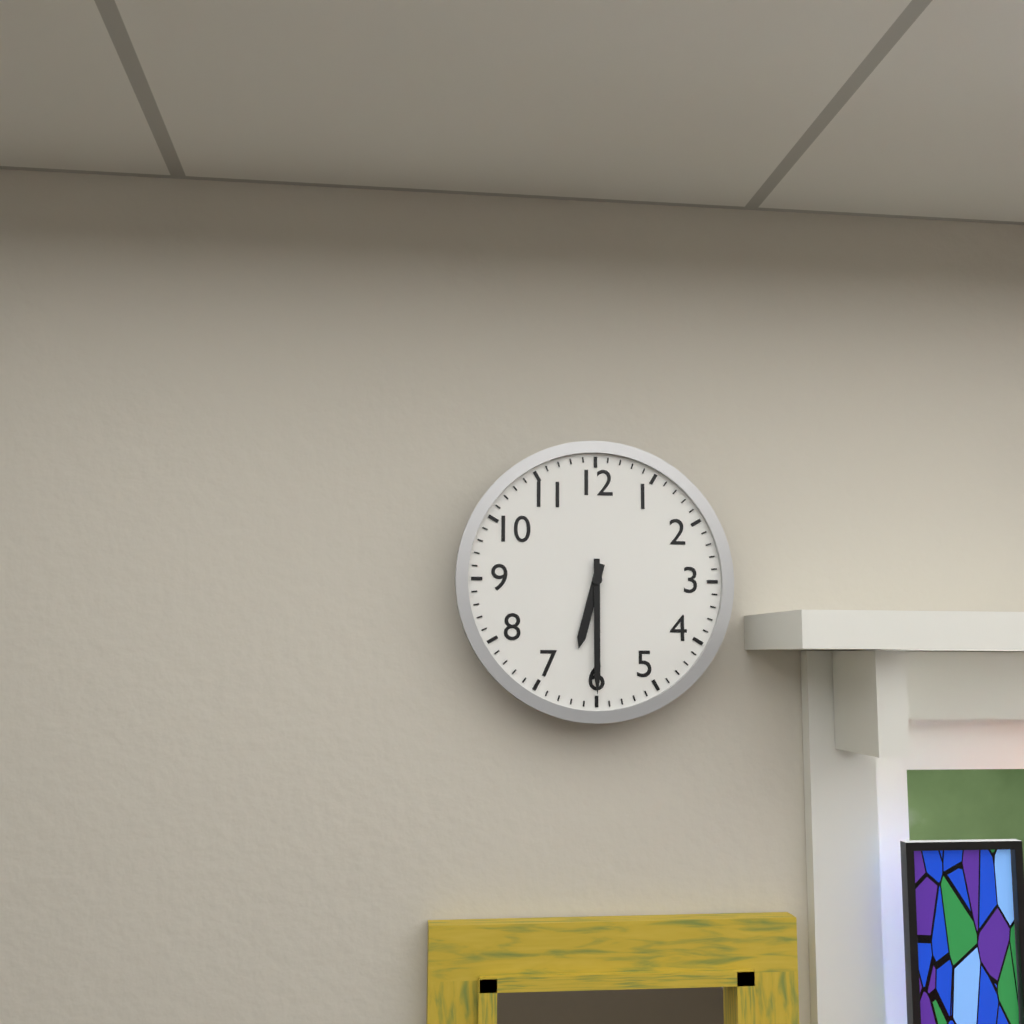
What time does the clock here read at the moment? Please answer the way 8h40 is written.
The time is 6h30
